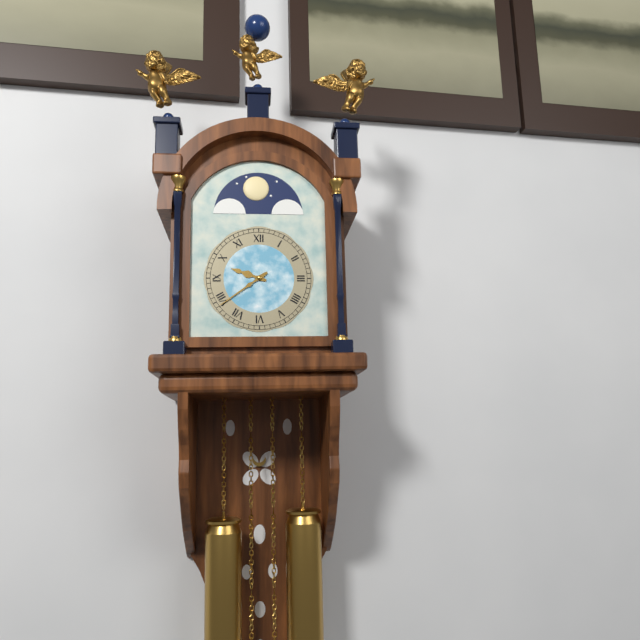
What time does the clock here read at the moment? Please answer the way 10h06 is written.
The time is 9h39
